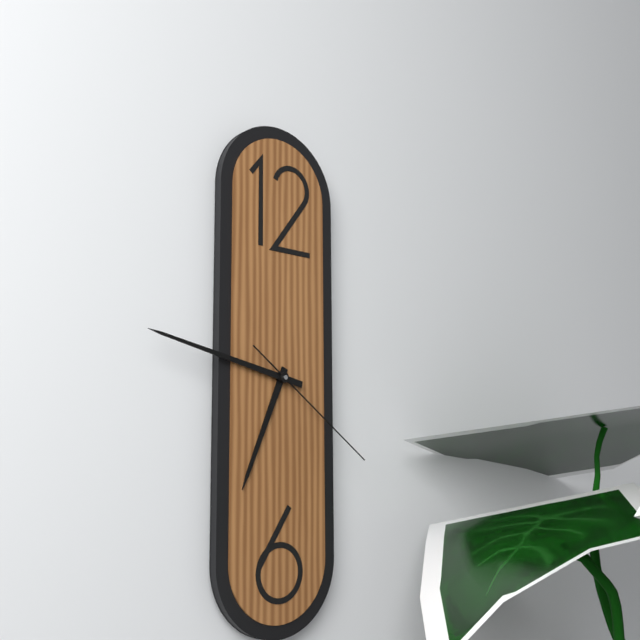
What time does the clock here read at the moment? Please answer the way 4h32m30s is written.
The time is 6h47m21s
